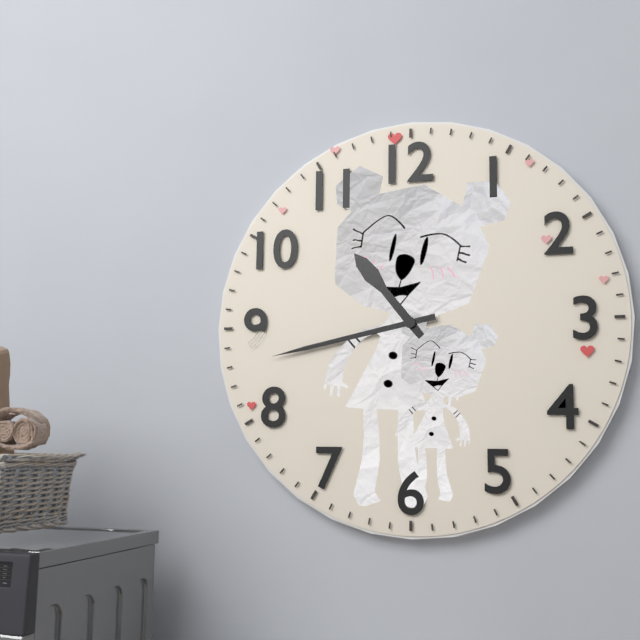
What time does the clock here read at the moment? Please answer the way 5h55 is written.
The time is 10h43
